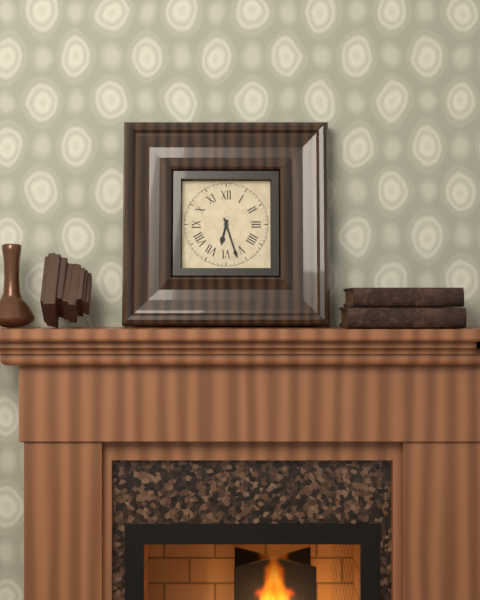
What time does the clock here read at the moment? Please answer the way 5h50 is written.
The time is 6h27
